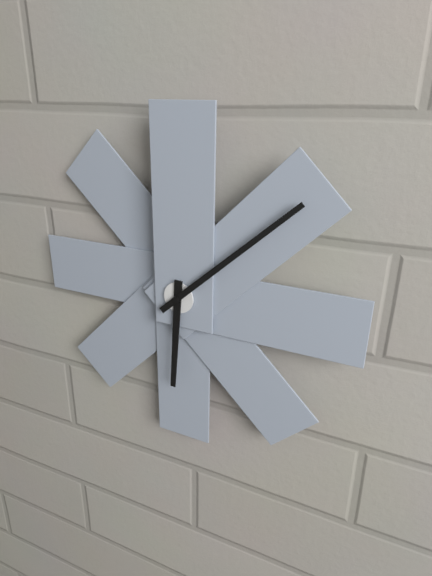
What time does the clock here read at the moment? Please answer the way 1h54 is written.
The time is 6h08
